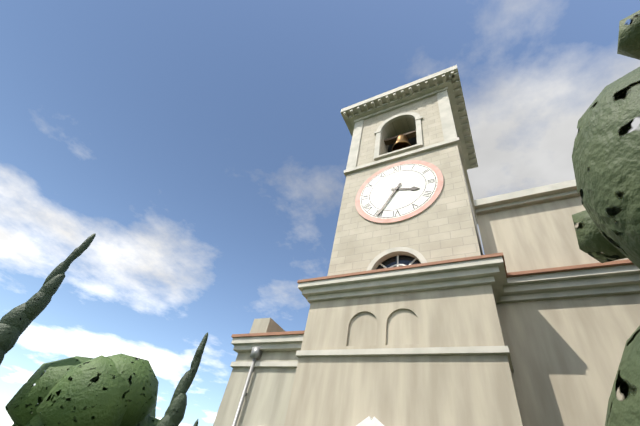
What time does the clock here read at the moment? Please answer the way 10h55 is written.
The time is 3h35
